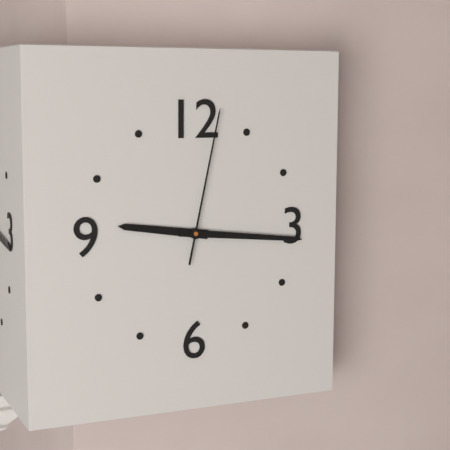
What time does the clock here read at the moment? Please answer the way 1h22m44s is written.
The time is 9h16m02s
